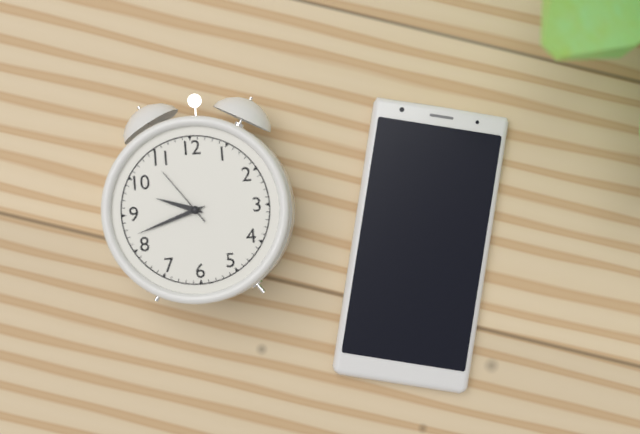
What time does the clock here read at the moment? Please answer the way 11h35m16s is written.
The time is 9h42m54s
